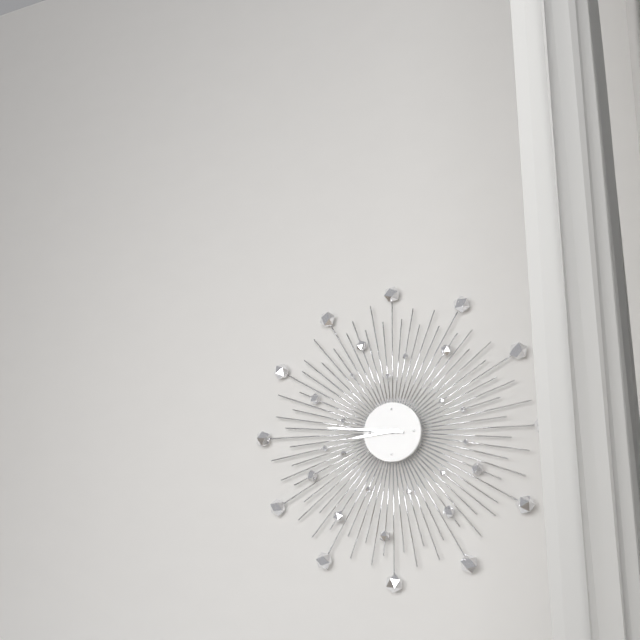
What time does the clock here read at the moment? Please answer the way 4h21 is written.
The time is 8h46
